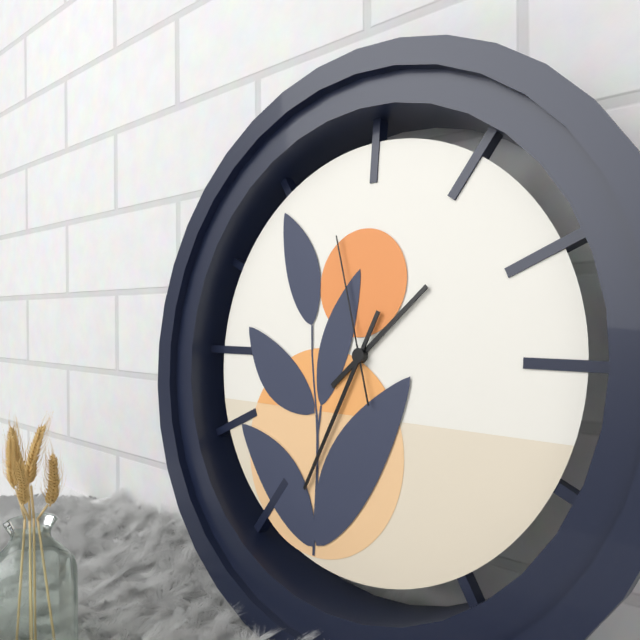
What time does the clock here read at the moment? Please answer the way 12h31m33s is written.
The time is 1h34m57s
